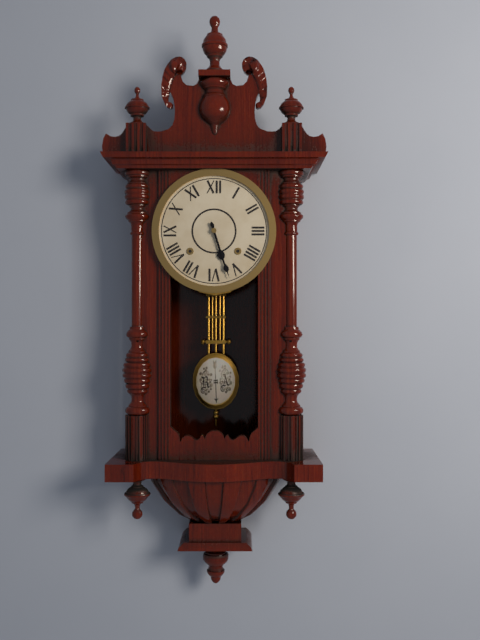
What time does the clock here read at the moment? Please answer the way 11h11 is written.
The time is 5h27
